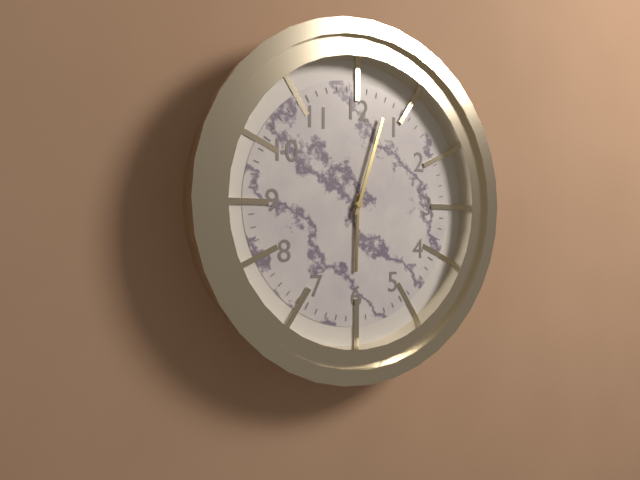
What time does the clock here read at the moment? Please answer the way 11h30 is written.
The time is 6h03
